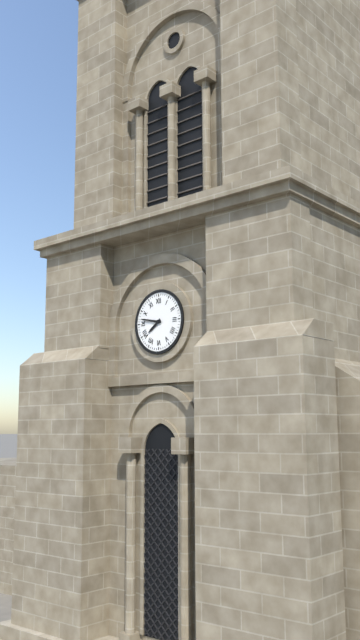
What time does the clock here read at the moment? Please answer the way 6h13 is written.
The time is 7h47
